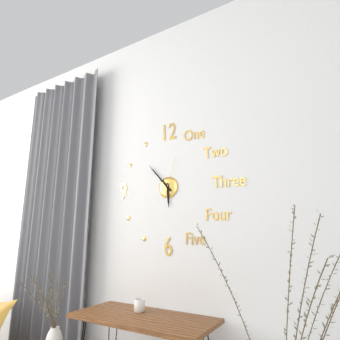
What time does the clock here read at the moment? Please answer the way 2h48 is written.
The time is 5h53
